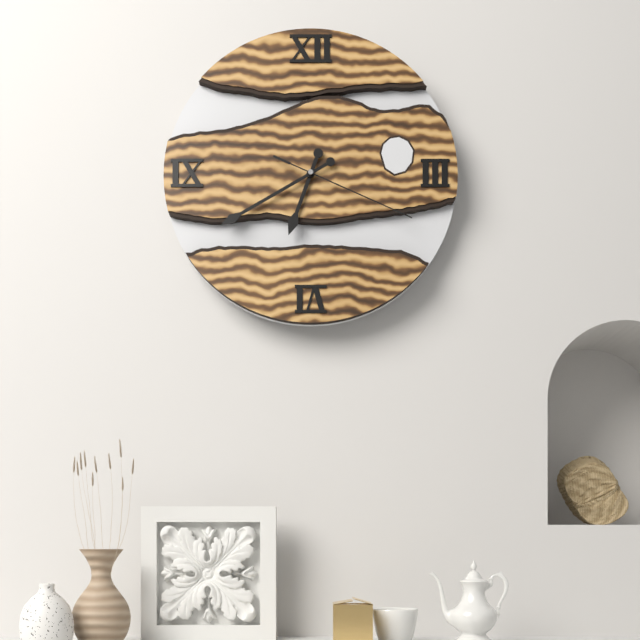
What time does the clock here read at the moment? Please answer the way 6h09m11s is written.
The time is 6h40m19s
